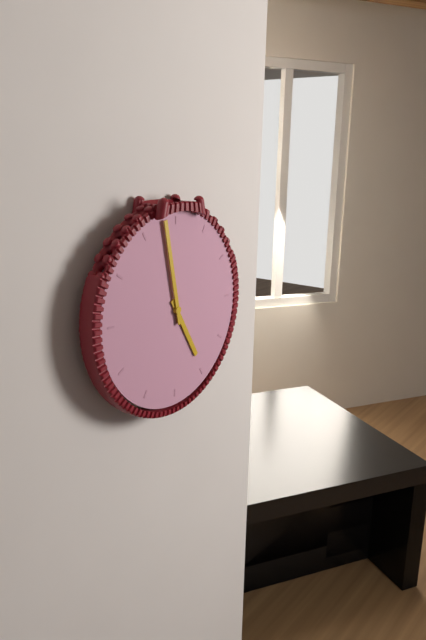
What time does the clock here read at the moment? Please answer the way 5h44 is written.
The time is 4h58
